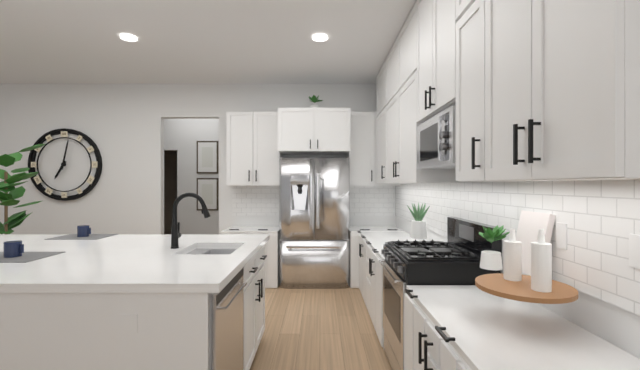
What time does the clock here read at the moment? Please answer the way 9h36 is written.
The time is 7h02
